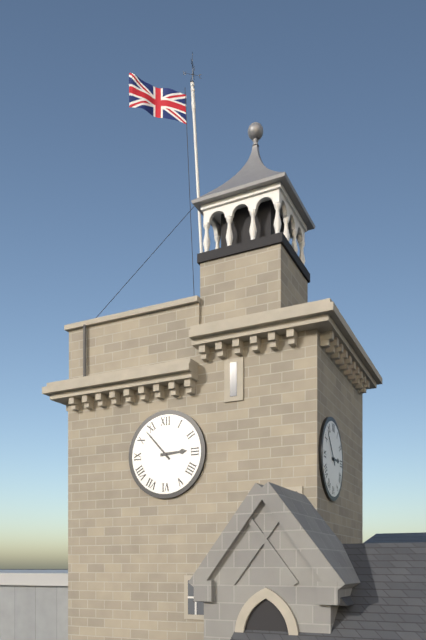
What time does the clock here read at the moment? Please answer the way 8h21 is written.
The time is 2h53
